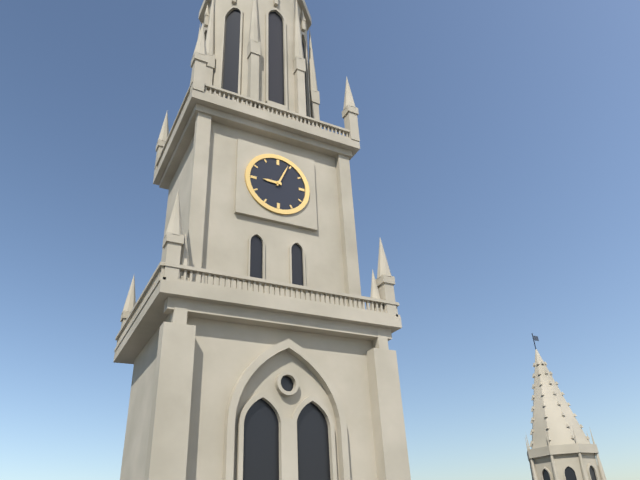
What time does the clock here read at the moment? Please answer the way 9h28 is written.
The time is 9h04
